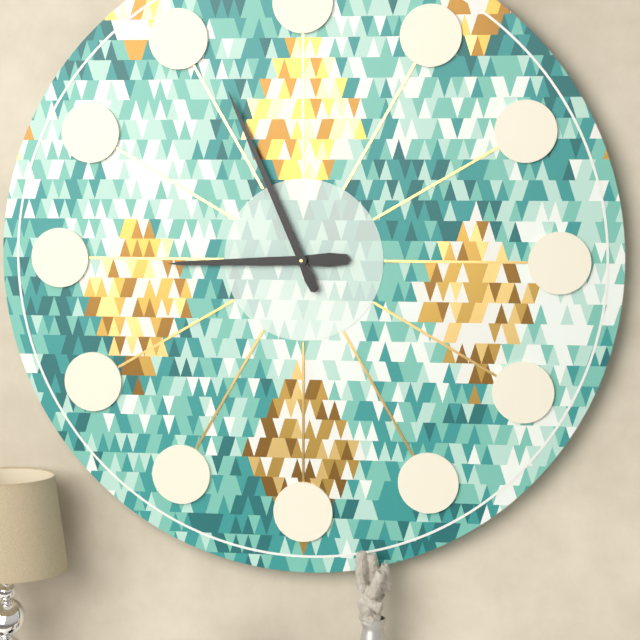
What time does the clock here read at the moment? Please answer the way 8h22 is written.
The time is 8h56
